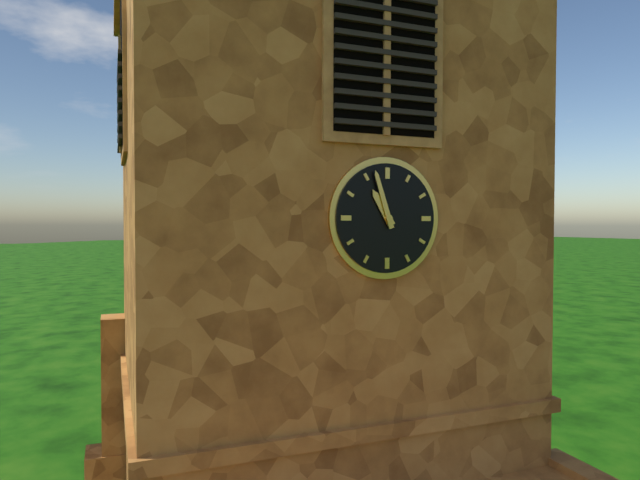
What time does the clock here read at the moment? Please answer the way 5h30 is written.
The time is 10h57
